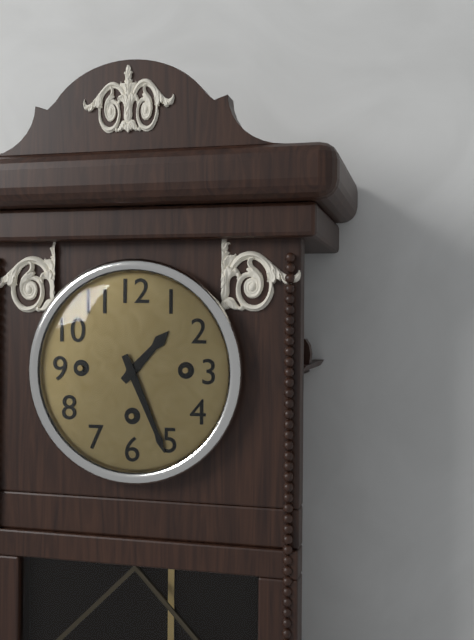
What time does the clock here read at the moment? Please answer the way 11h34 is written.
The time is 1h26
